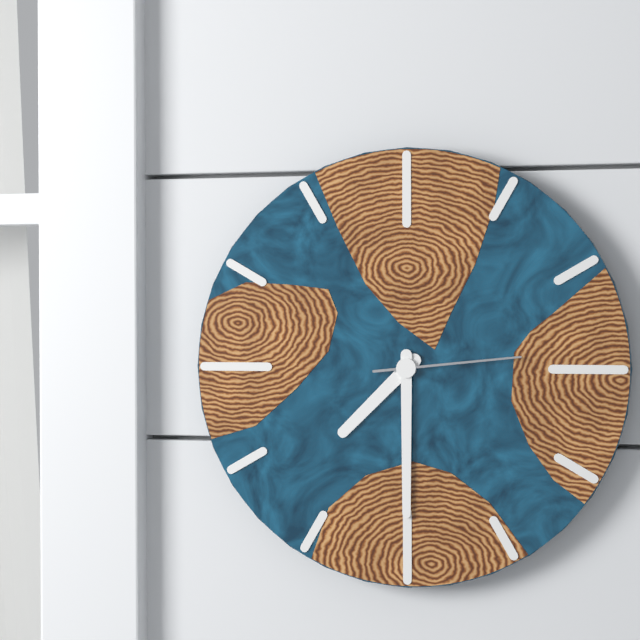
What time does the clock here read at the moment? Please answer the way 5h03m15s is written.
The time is 7h30m14s
